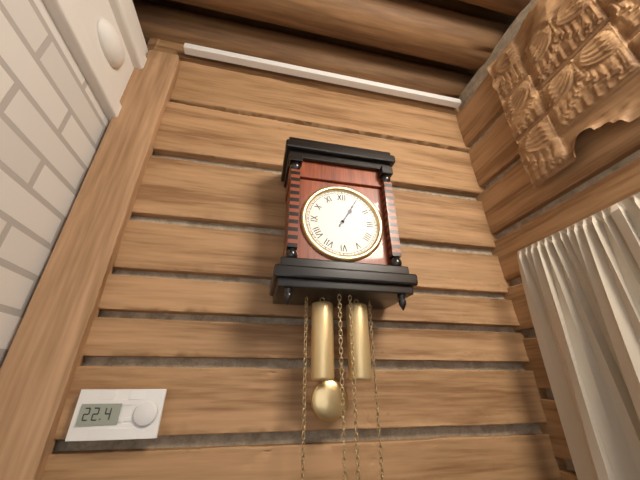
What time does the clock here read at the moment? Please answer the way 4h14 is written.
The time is 1h05
